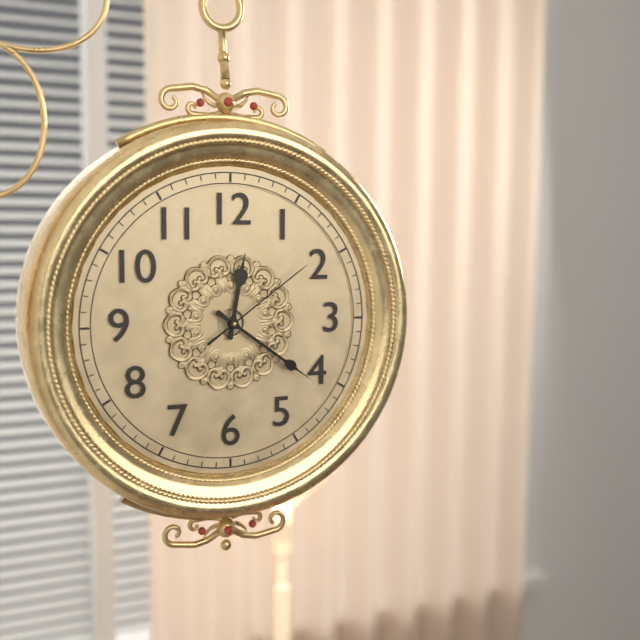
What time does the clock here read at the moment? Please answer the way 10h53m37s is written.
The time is 12h21m09s
